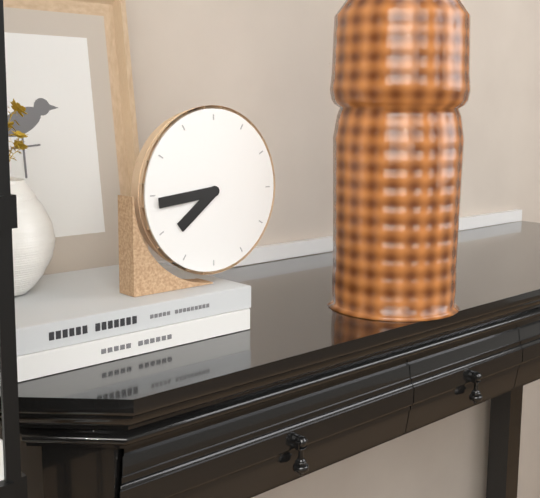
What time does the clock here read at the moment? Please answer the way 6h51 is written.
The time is 7h44
